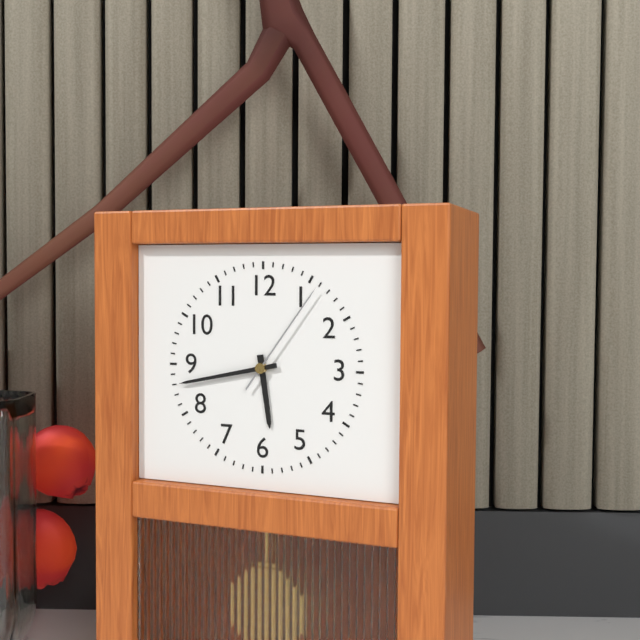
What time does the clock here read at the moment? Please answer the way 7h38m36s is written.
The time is 5h43m06s
